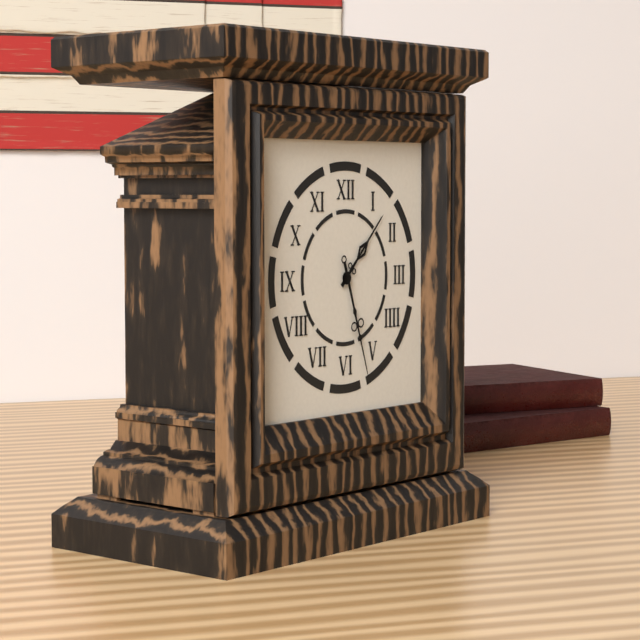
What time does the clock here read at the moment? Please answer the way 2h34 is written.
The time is 1h27
